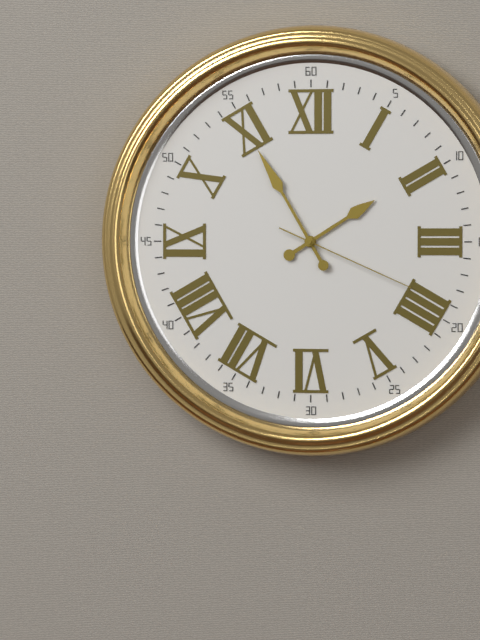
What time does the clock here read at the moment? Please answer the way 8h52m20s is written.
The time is 1h55m19s
